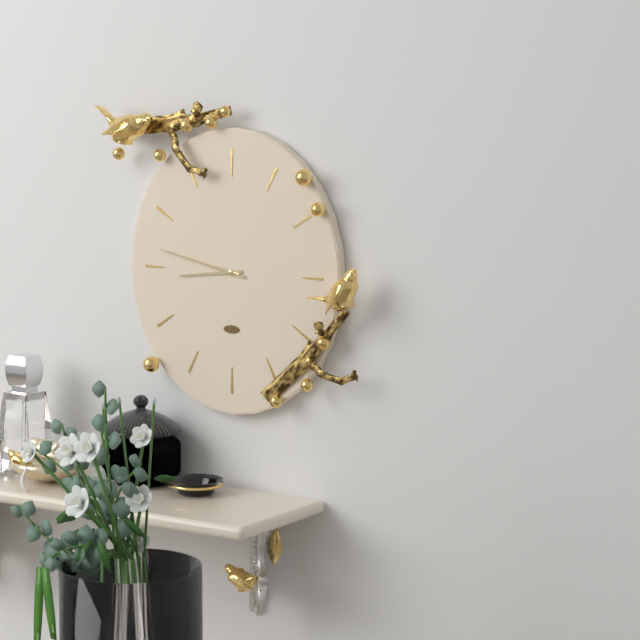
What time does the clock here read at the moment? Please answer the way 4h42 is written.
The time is 8h47
